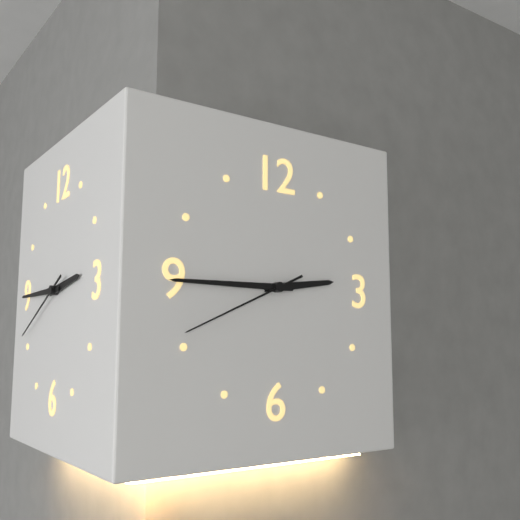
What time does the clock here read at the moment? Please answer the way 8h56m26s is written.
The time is 2h45m41s
